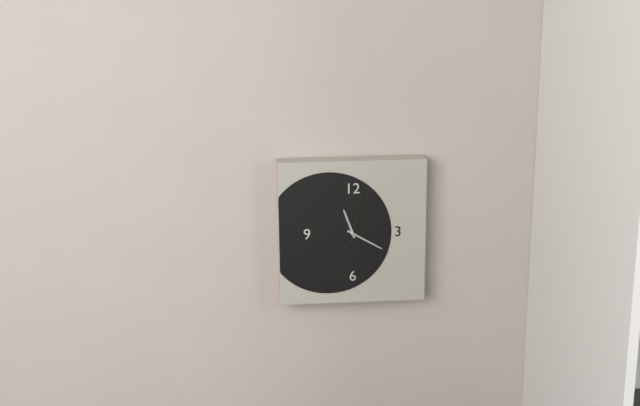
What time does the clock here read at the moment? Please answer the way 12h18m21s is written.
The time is 11h20m02s
